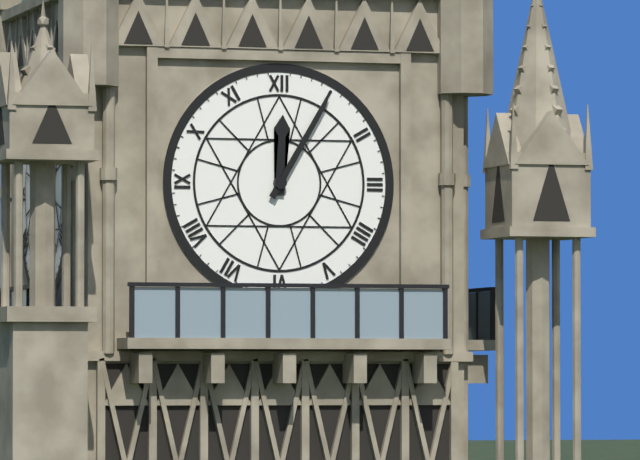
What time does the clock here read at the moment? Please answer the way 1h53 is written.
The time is 12h05
